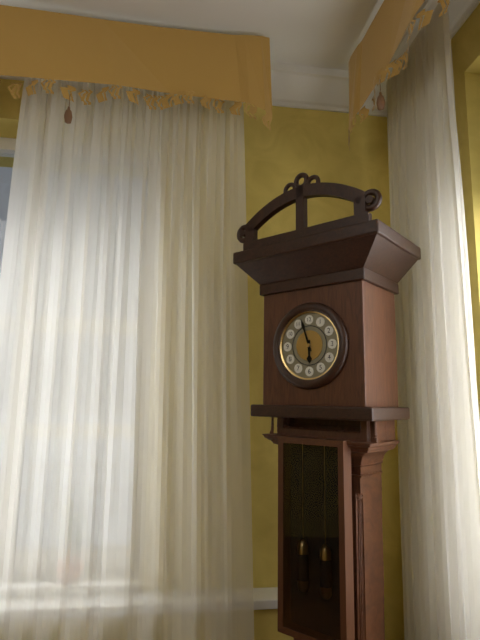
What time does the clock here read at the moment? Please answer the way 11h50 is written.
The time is 5h57
